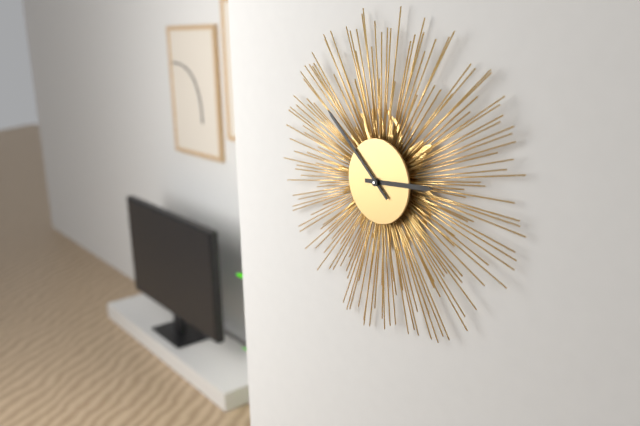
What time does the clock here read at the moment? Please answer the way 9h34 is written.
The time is 2h52
